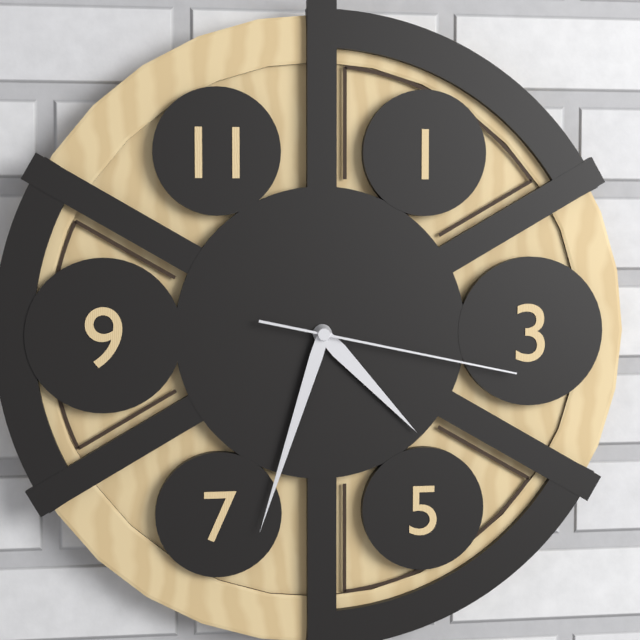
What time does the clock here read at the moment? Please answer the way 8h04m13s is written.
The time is 4h33m17s
